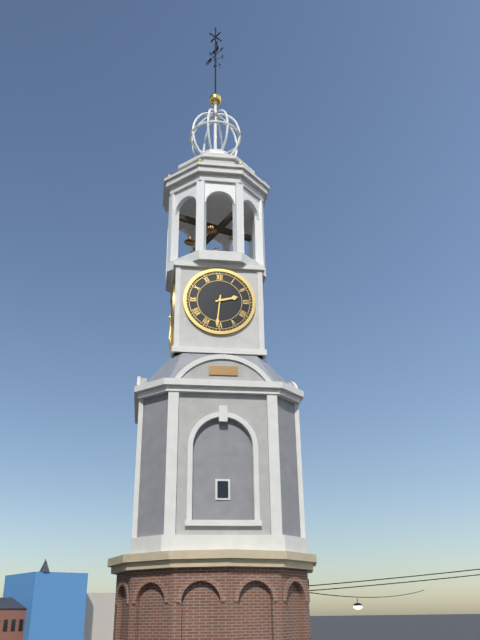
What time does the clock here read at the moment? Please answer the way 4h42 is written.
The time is 2h31
